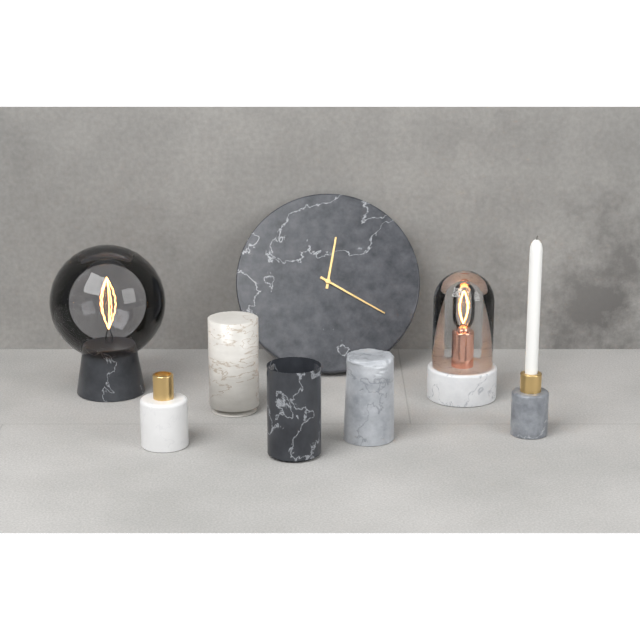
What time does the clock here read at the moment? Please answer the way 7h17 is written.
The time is 12h20
